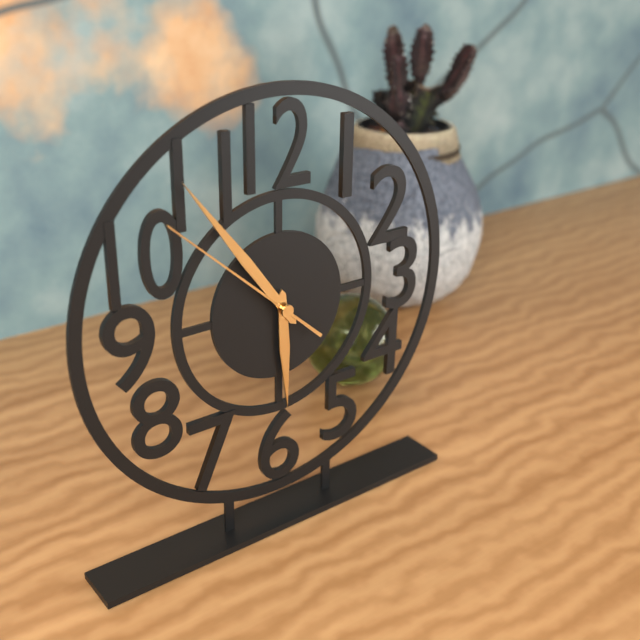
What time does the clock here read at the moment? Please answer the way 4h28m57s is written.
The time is 5h54m52s
